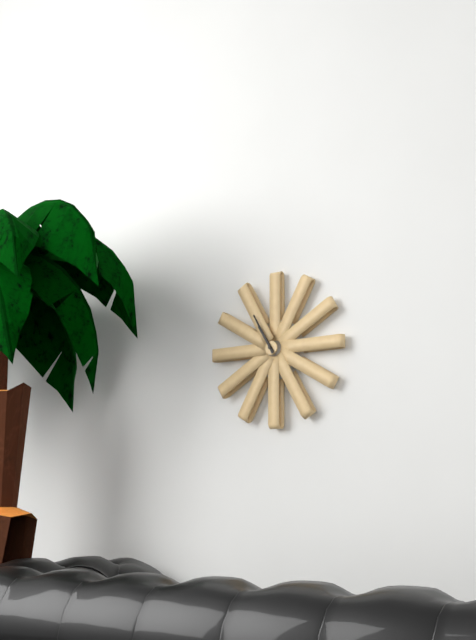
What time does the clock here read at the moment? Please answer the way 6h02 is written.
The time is 10h55
